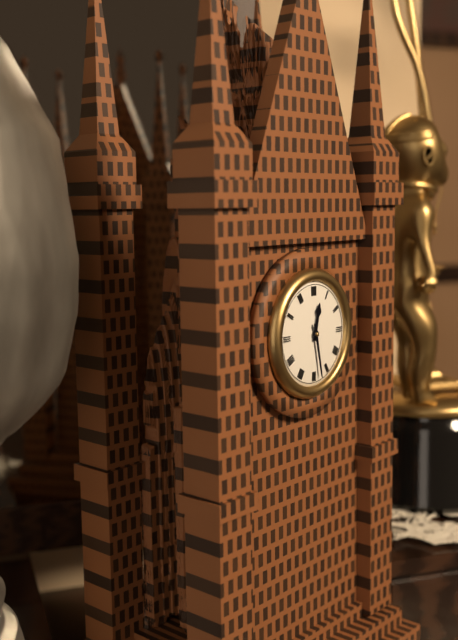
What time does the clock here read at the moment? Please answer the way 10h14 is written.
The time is 12h28
